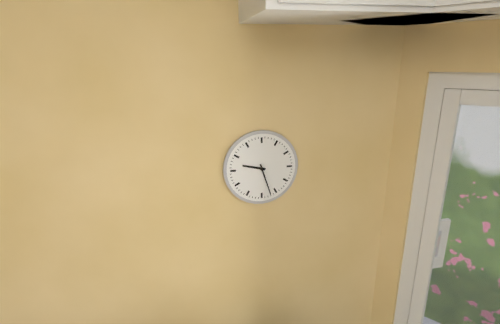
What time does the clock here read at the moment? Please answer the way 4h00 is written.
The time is 9h27
